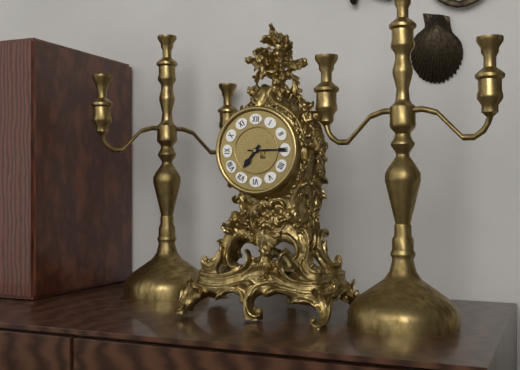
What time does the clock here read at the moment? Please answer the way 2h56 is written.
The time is 7h15
